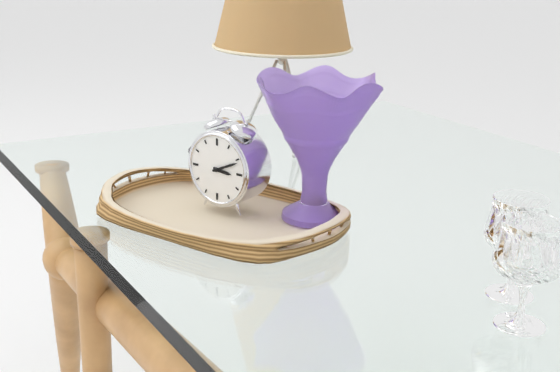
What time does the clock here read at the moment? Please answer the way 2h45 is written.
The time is 3h11
